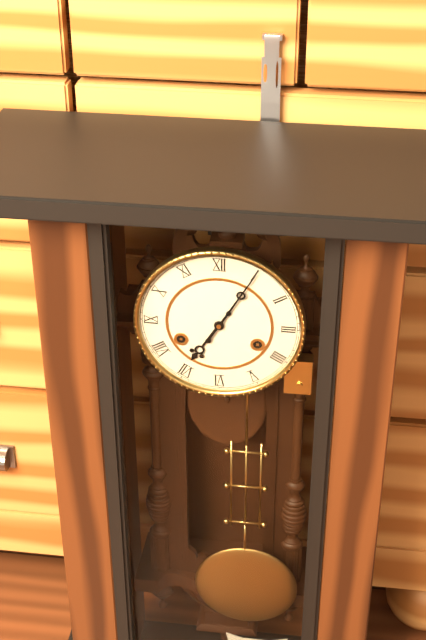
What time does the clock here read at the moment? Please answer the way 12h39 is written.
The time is 7h05
